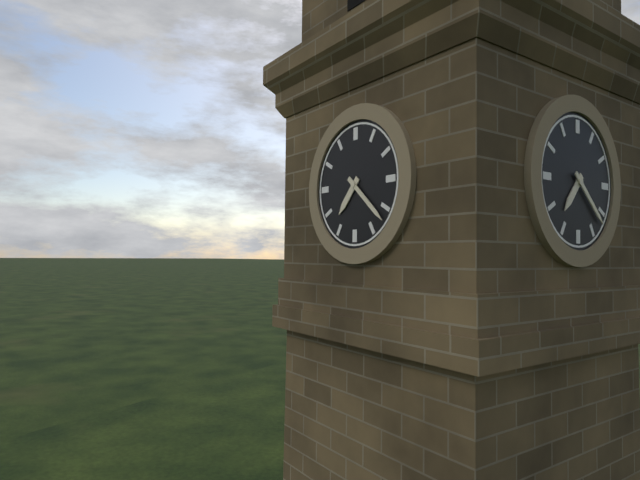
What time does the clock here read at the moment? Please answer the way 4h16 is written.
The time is 7h22
